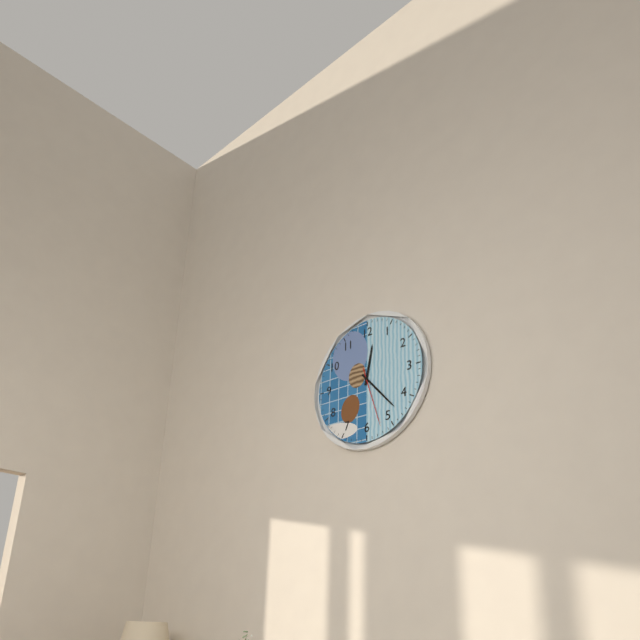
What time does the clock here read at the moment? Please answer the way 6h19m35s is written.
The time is 12h23m27s
